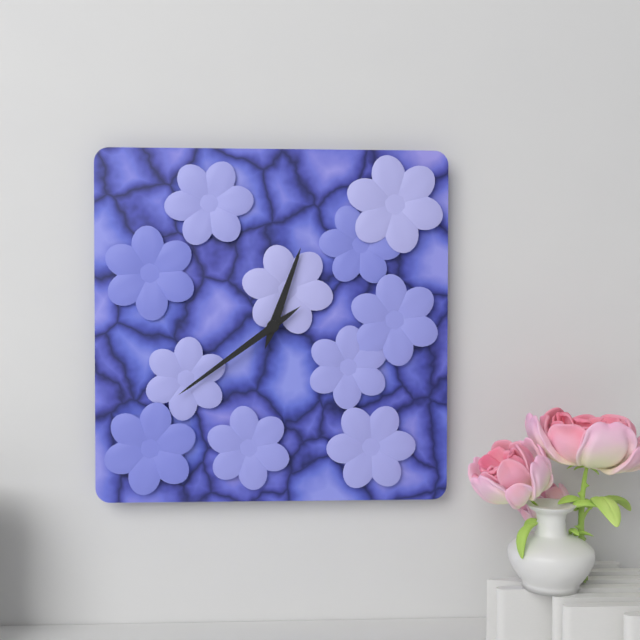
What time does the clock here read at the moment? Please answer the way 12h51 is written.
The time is 12h39
